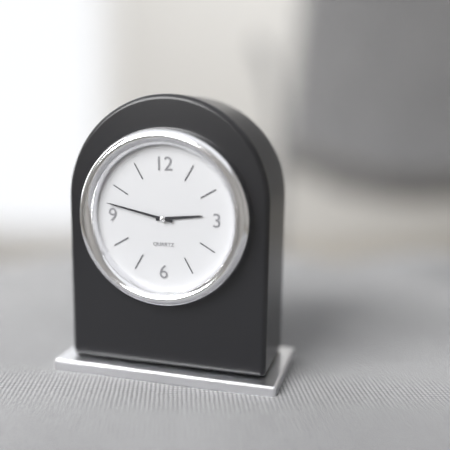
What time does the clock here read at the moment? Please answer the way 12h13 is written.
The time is 2h47
